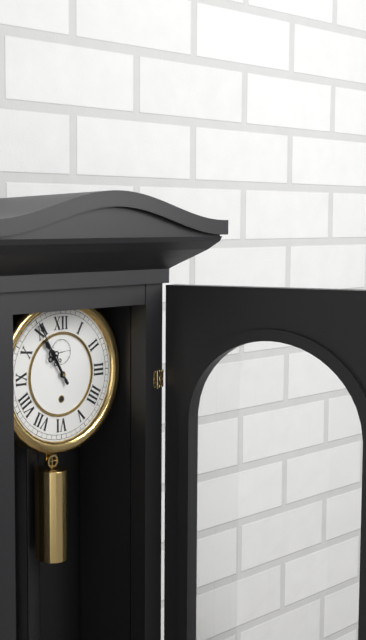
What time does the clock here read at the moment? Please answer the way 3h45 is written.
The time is 10h55
